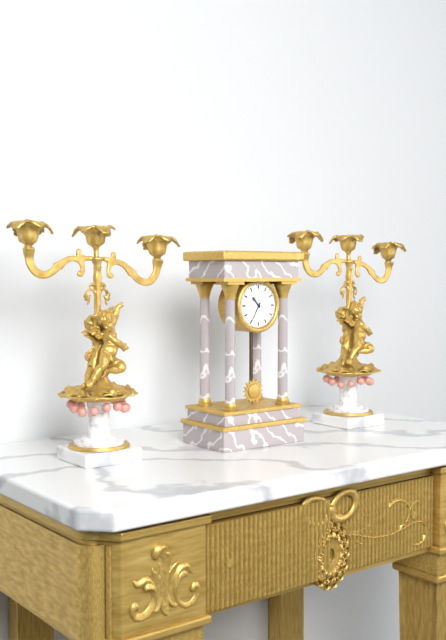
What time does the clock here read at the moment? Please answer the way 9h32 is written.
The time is 10h35
